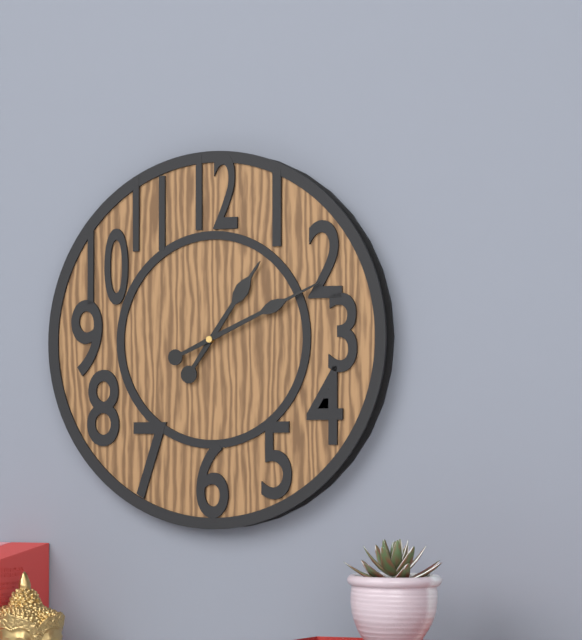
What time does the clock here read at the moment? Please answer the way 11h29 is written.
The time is 1h11
